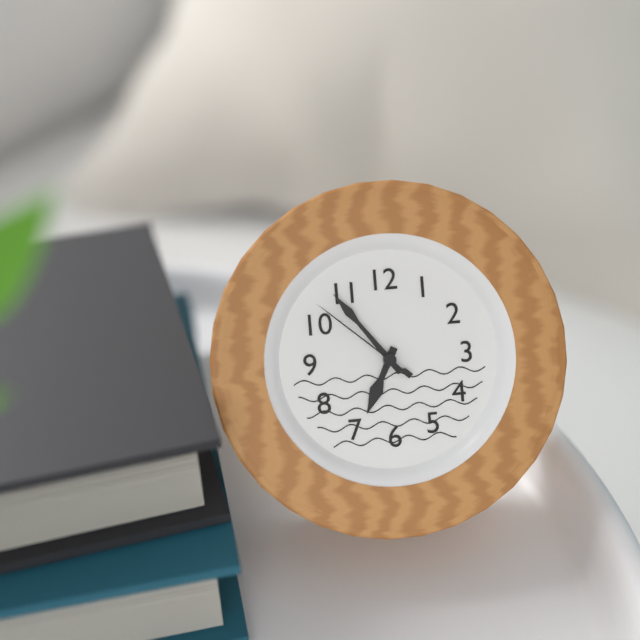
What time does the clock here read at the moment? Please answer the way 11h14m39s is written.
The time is 6h54m52s
